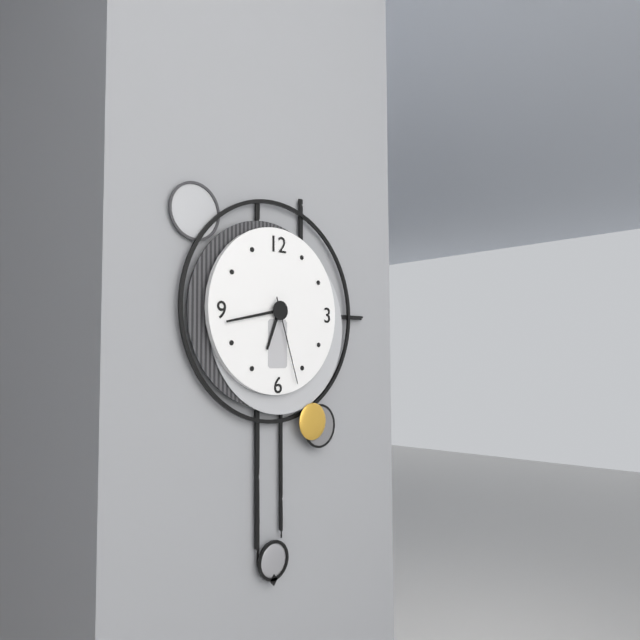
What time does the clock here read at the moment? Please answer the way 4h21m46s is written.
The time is 6h43m27s
